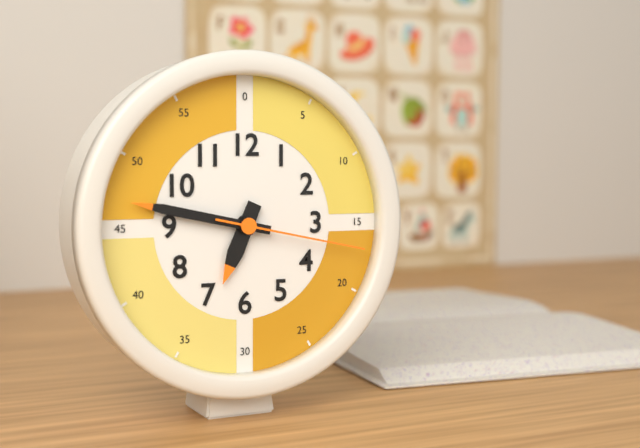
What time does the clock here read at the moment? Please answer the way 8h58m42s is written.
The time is 6h47m17s
